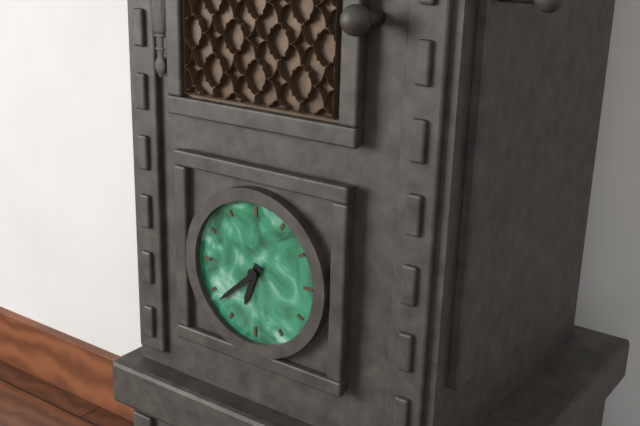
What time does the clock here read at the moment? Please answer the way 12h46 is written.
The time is 6h38
